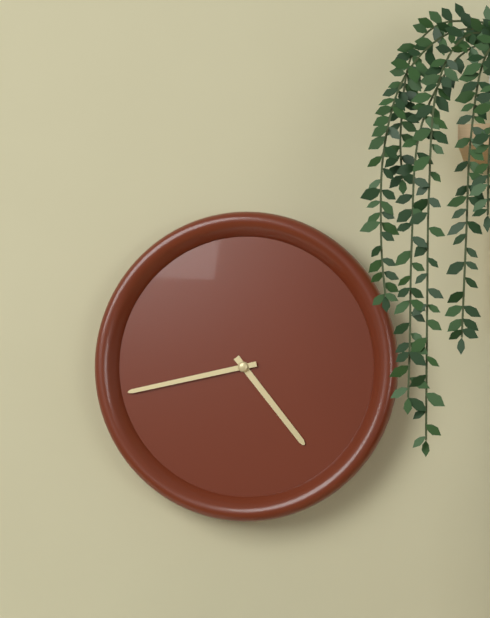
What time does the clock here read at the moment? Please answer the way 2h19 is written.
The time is 4h43
